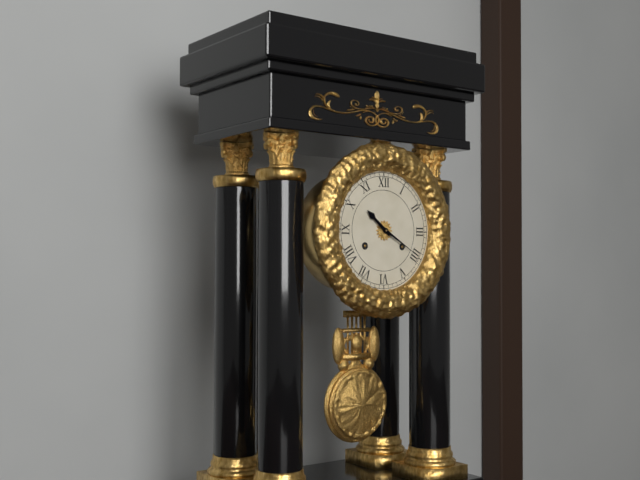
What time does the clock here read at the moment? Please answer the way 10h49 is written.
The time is 10h20
